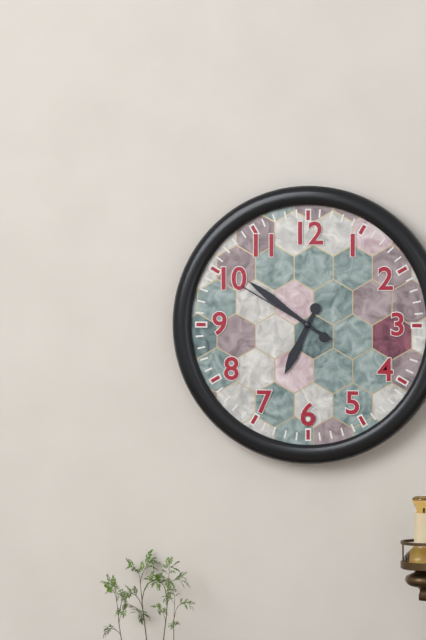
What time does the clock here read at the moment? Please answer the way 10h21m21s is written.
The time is 6h51m50s
